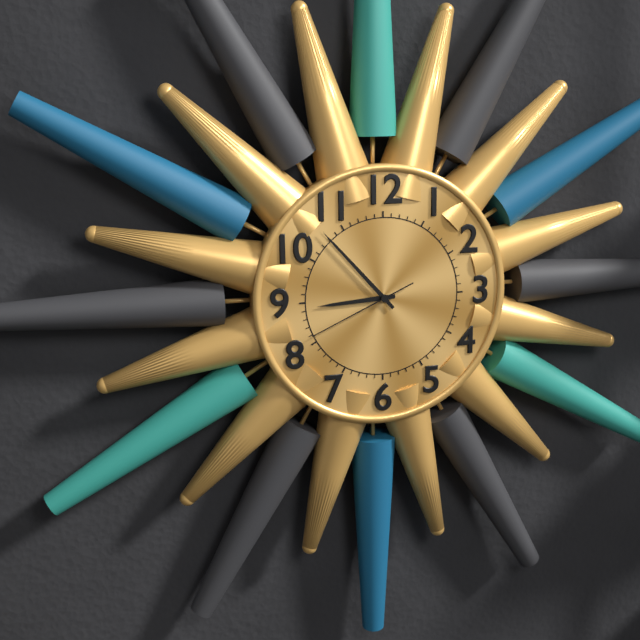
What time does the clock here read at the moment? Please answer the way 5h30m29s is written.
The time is 8h53m41s
